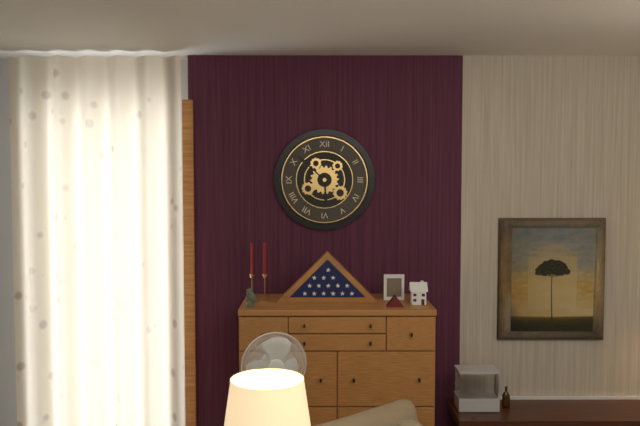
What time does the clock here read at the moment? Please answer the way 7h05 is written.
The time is 5h52
